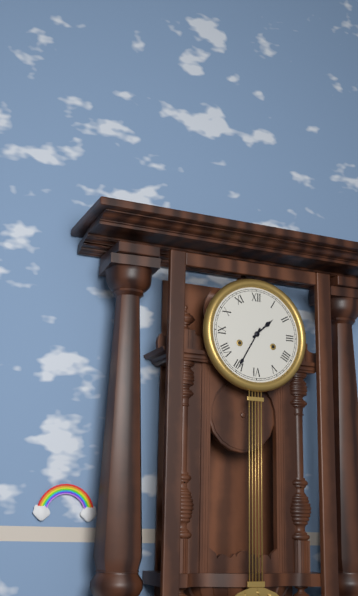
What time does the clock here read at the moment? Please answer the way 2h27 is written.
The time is 1h35
